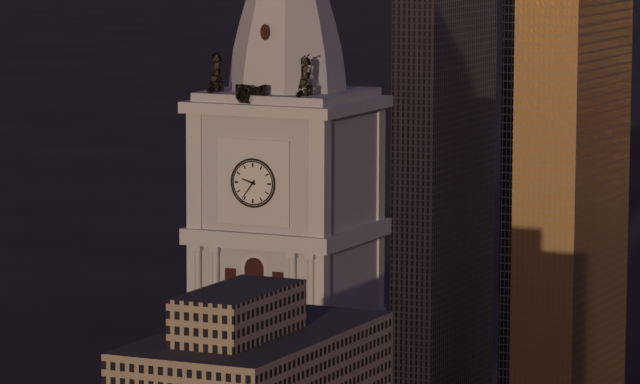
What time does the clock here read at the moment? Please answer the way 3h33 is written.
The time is 9h36
